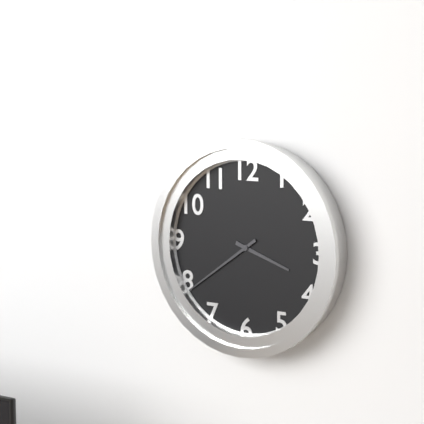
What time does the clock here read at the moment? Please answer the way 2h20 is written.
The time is 3h39
